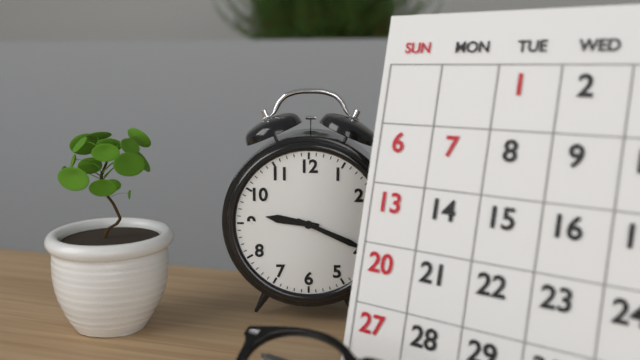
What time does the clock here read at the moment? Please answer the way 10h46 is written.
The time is 9h19
